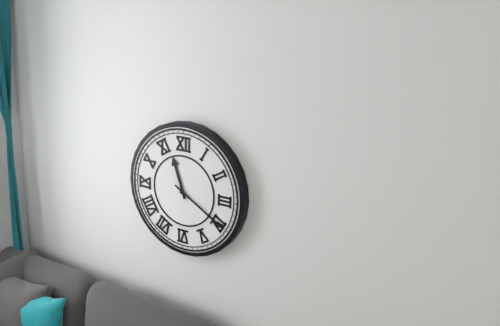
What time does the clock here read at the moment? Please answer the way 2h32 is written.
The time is 11h20
